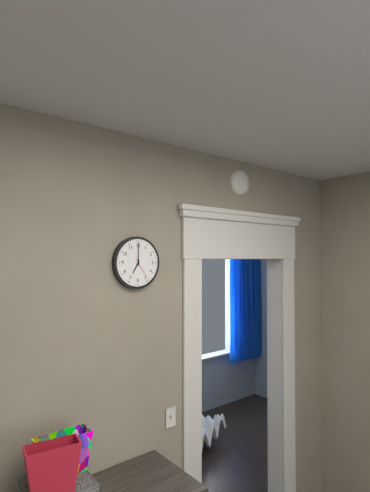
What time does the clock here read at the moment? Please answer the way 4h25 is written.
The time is 7h00
